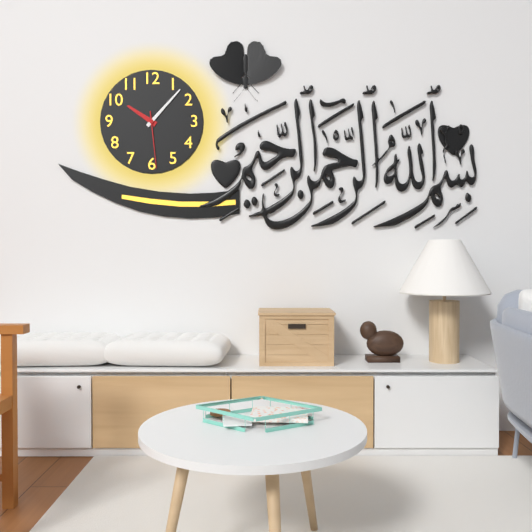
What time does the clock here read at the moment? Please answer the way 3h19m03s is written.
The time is 10h07m29s
